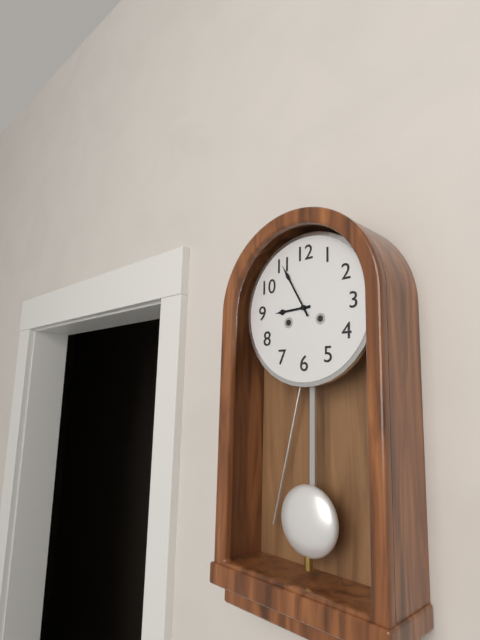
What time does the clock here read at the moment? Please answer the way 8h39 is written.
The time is 8h55
